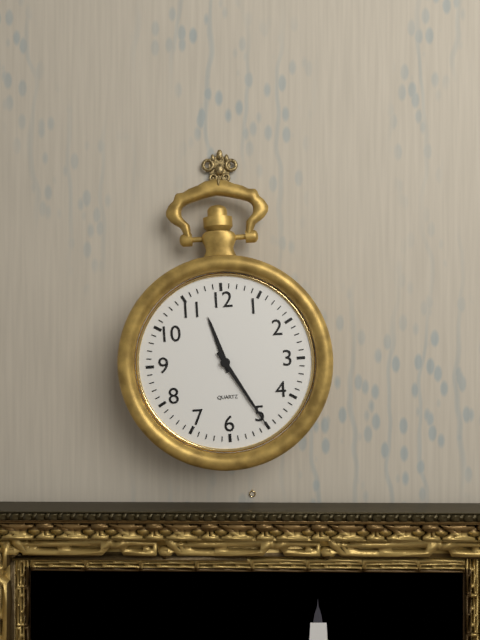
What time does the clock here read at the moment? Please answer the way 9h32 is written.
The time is 11h25
